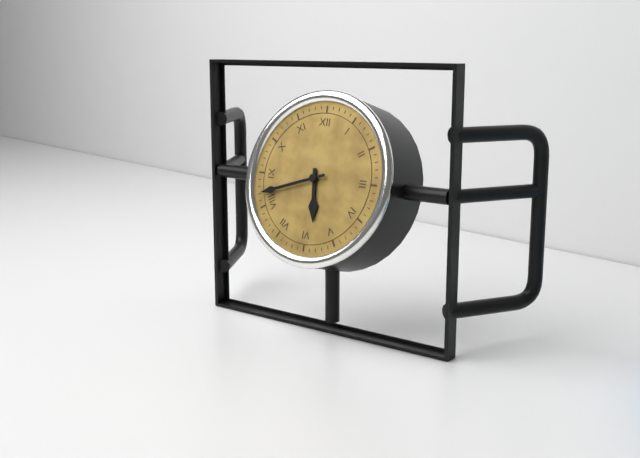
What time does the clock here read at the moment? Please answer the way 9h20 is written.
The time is 5h42
